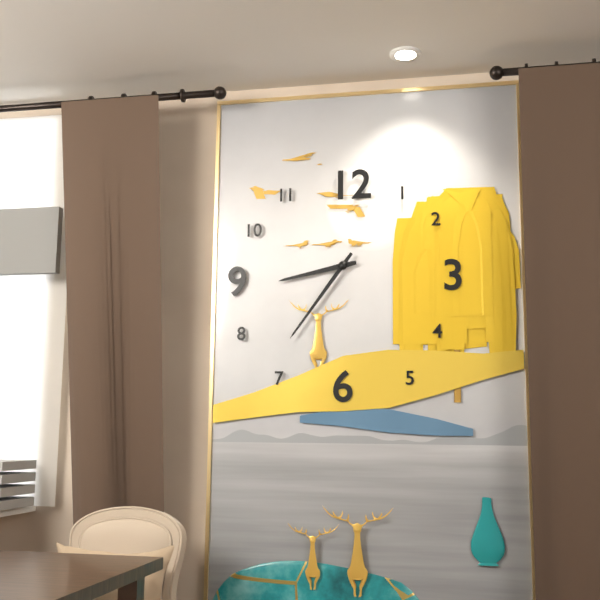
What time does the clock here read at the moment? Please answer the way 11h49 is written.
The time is 8h36
